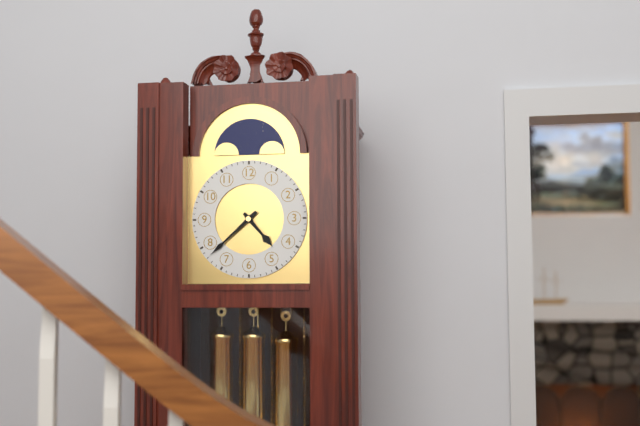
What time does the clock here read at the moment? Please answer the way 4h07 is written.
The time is 4h38
